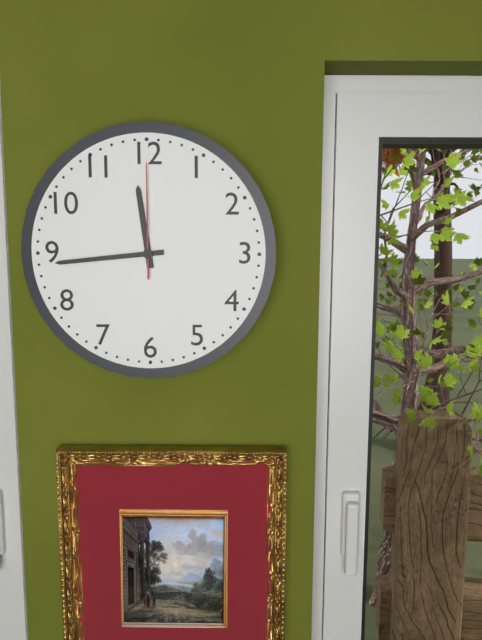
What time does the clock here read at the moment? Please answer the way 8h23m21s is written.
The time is 11h44m00s
